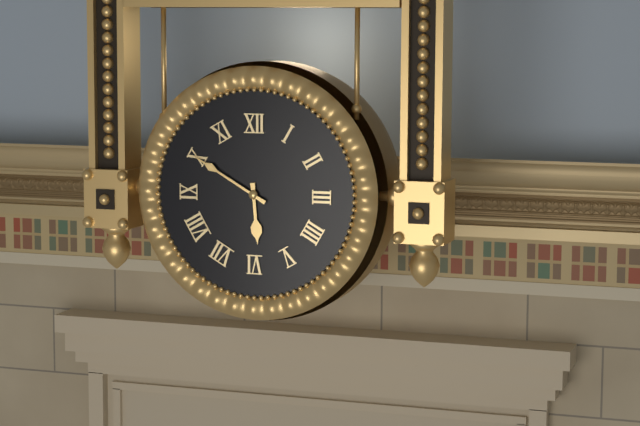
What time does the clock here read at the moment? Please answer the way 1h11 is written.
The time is 5h50
